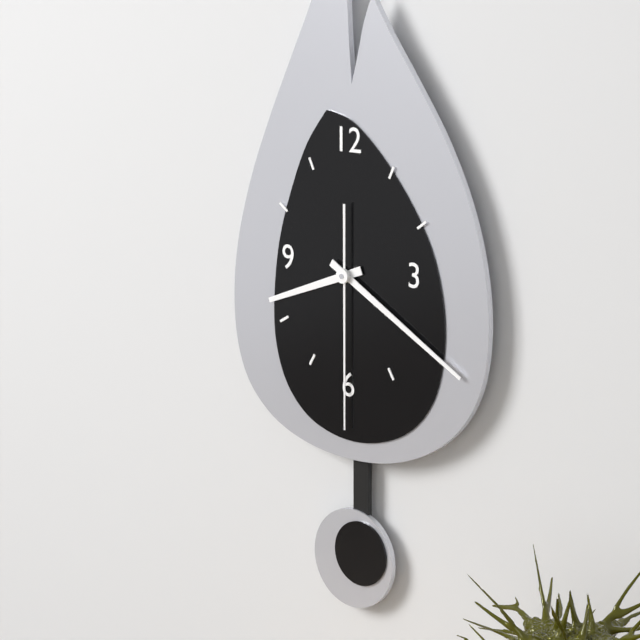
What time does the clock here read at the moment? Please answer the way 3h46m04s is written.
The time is 8h20m30s
